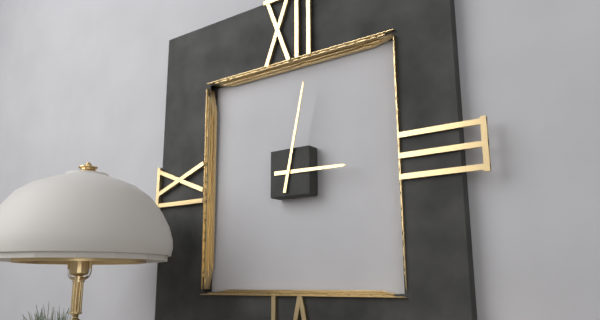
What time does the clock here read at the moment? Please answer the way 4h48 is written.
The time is 3h02
